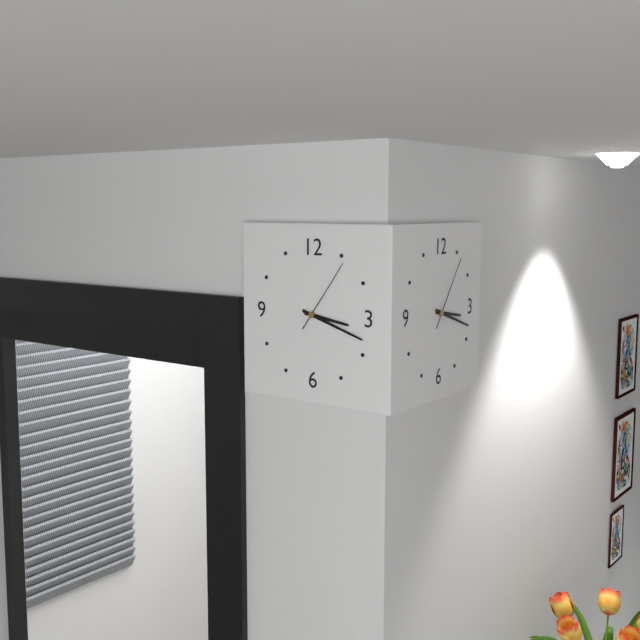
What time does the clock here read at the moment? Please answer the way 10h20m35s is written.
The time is 3h18m06s
